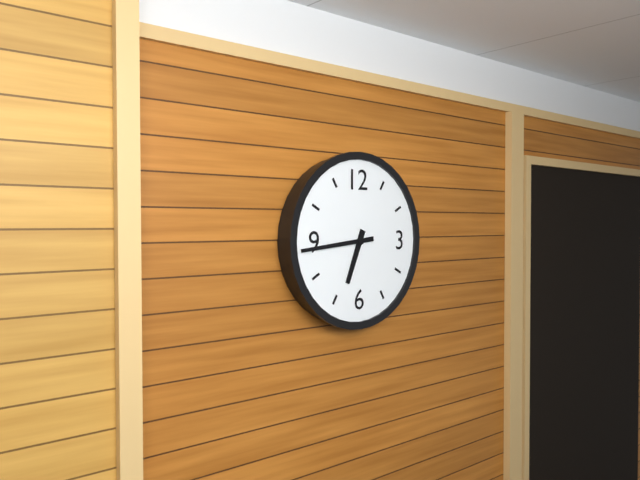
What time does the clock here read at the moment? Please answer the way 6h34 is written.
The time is 6h44
